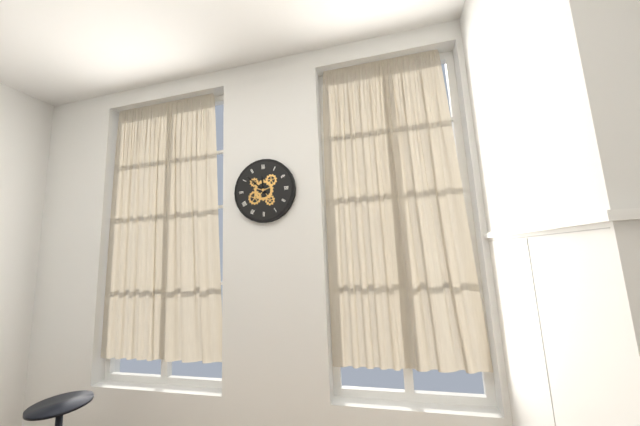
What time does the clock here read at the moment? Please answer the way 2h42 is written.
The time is 11h52
